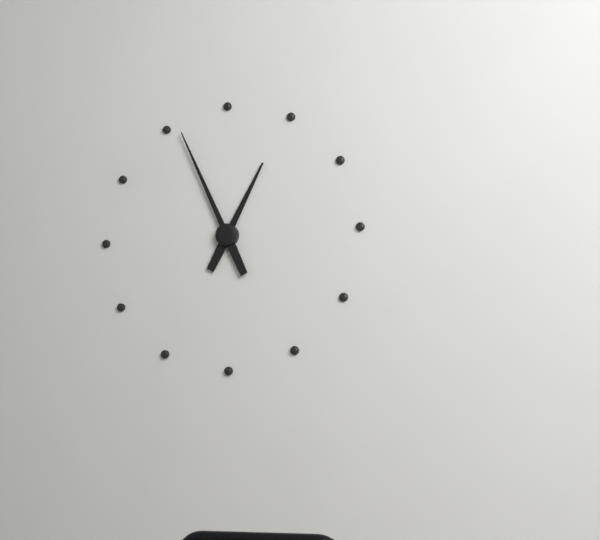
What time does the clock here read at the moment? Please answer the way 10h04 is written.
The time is 12h56
